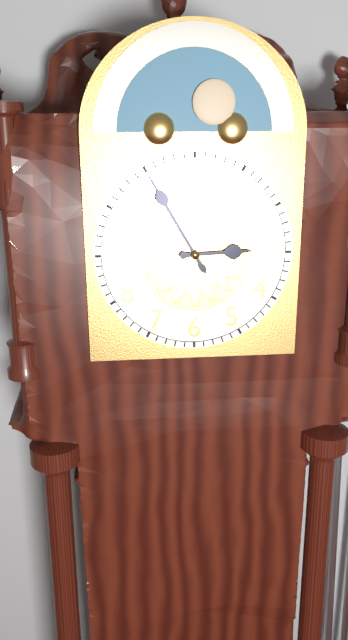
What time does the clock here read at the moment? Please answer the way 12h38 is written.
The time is 2h55
